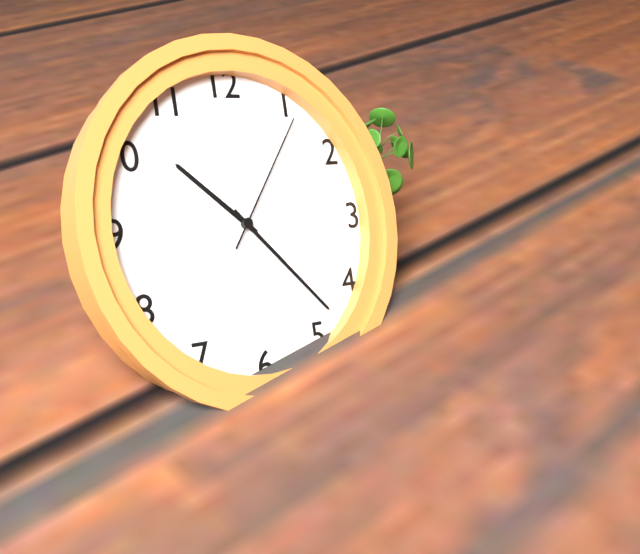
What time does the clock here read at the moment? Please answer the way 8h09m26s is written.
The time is 10h23m06s
